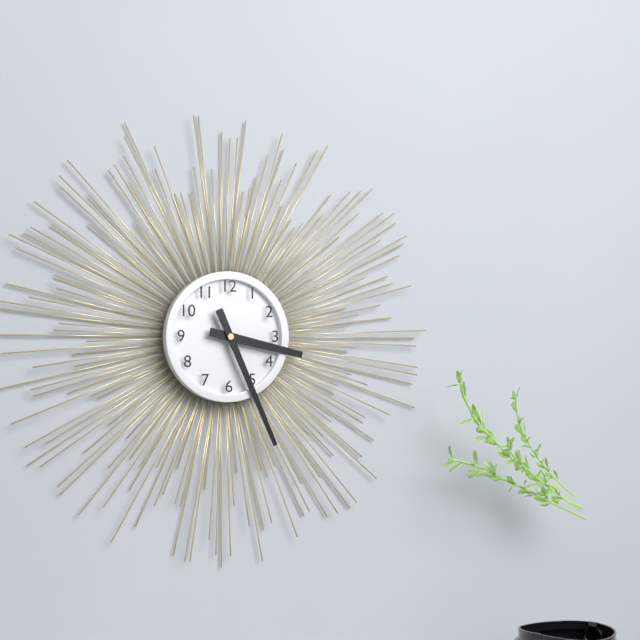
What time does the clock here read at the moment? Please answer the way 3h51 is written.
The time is 3h26
